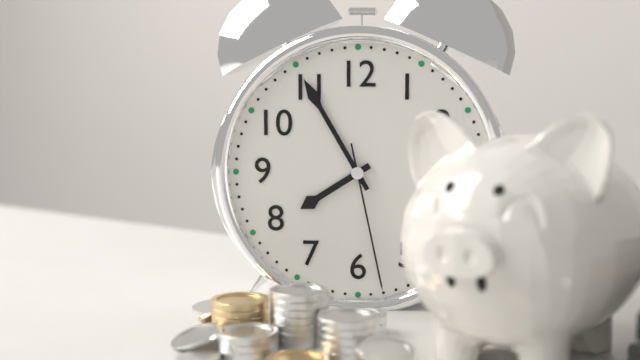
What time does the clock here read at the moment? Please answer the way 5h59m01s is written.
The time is 7h55m28s
